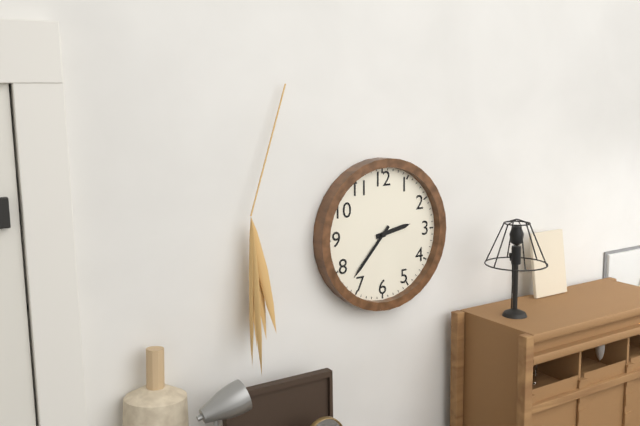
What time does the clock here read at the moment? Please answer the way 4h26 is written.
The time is 2h37
